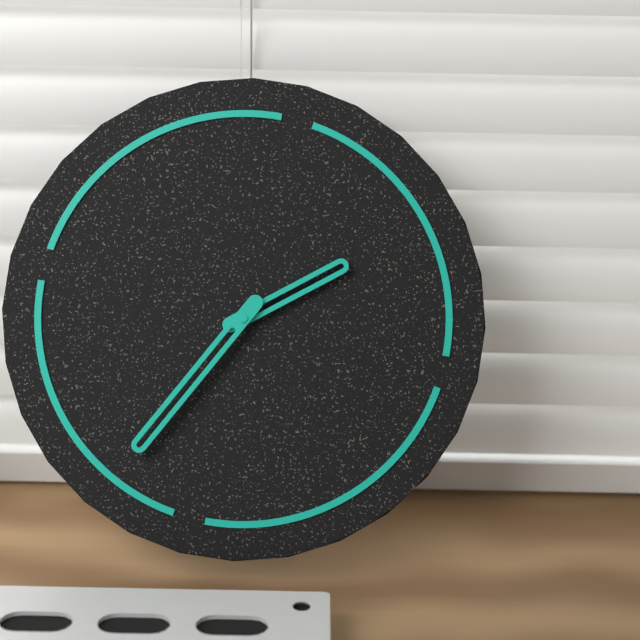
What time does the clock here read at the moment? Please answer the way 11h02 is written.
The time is 1h34
